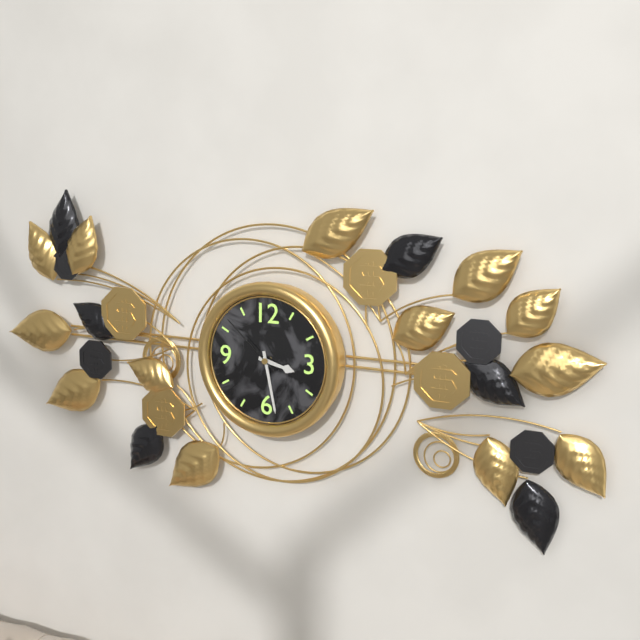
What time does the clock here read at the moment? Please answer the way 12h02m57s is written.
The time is 3h28m52s
